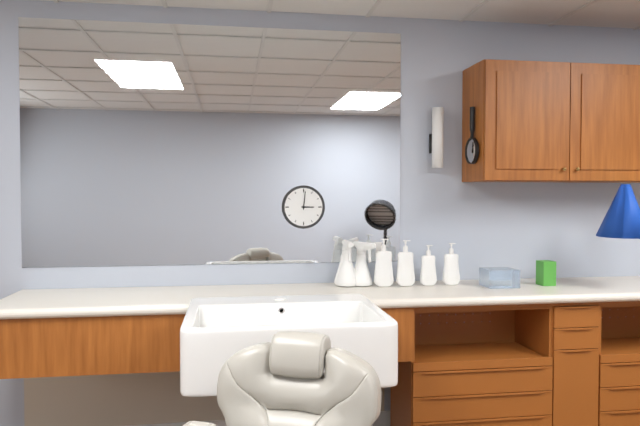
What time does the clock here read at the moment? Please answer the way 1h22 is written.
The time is 3h01
